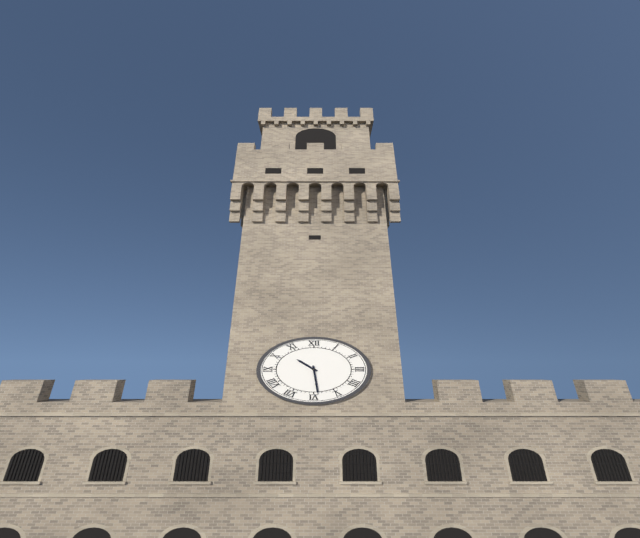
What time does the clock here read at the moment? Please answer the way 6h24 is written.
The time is 10h29
